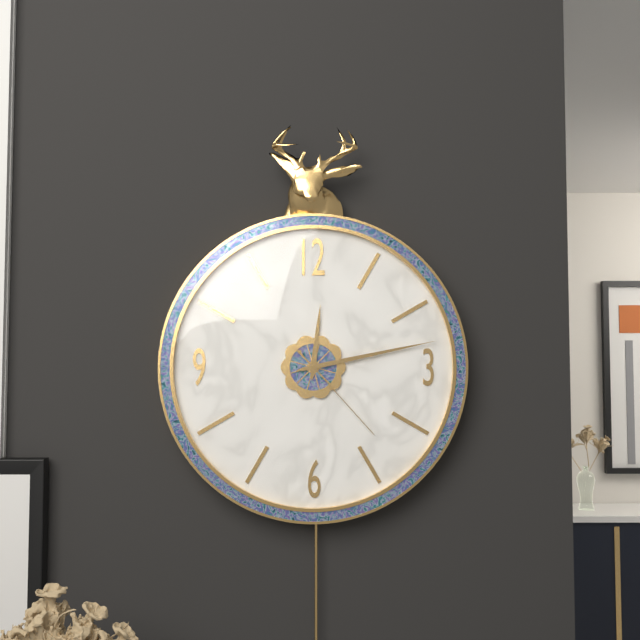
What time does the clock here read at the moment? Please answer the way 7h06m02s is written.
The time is 12h13m23s
